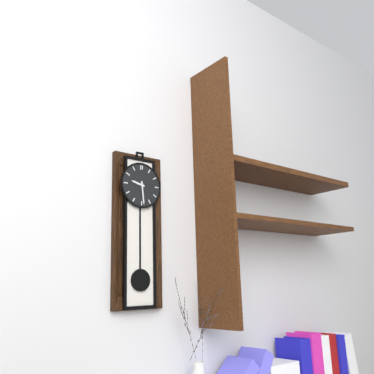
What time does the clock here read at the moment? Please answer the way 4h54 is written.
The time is 9h29
